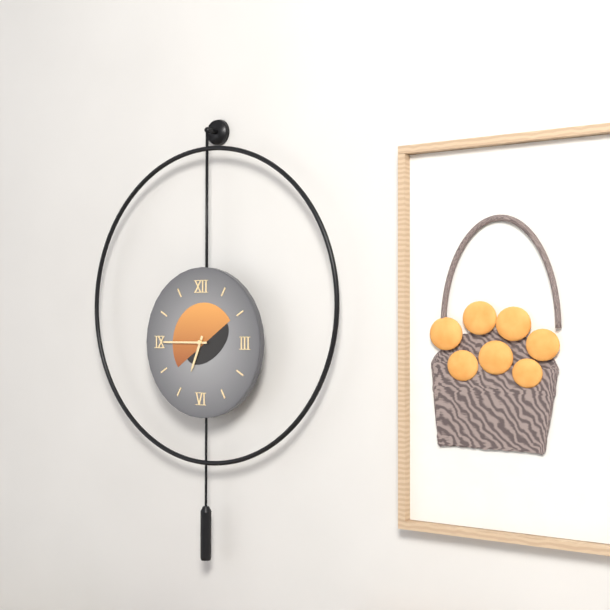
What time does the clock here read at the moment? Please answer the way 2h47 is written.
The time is 6h45
